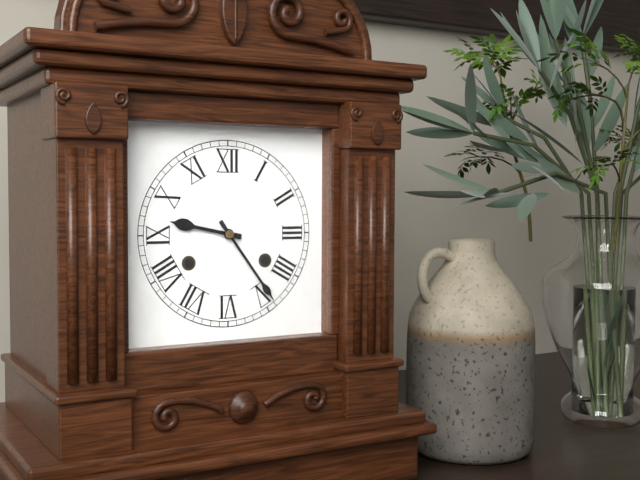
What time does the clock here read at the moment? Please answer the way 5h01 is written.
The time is 9h24
